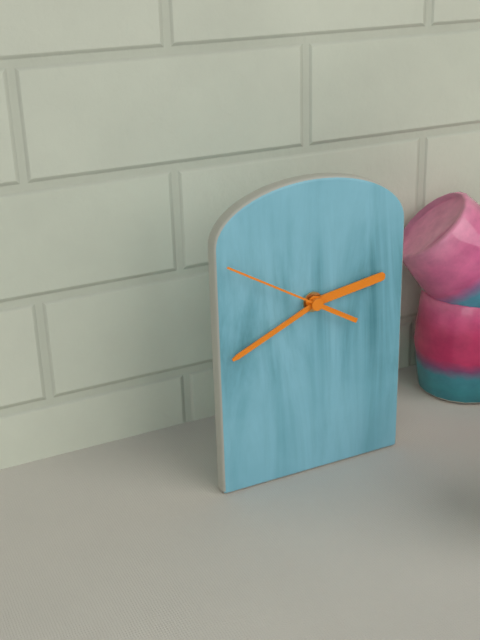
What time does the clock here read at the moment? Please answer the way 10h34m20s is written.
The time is 2h41m50s
